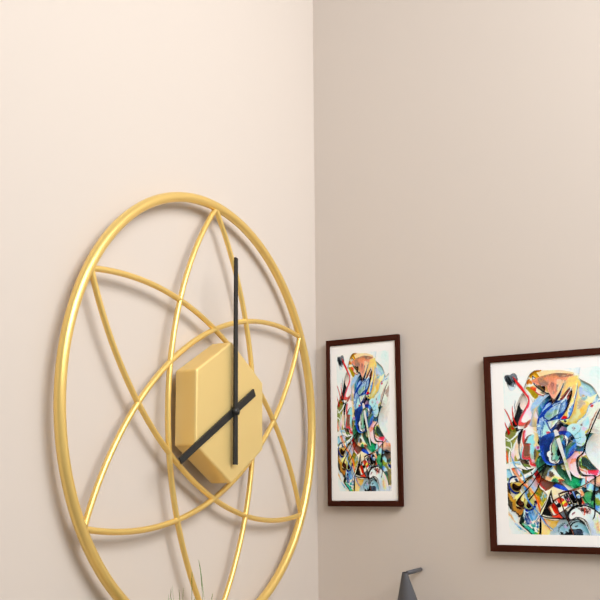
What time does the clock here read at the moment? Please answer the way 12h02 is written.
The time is 8h00
